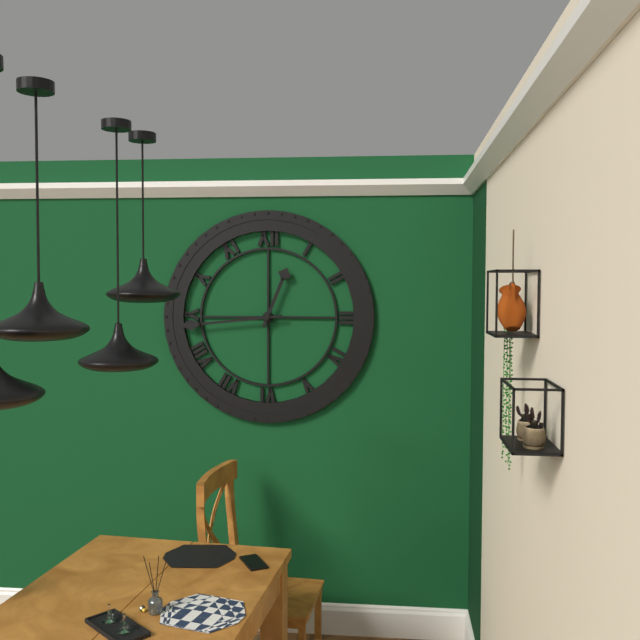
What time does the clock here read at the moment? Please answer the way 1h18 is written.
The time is 12h44
